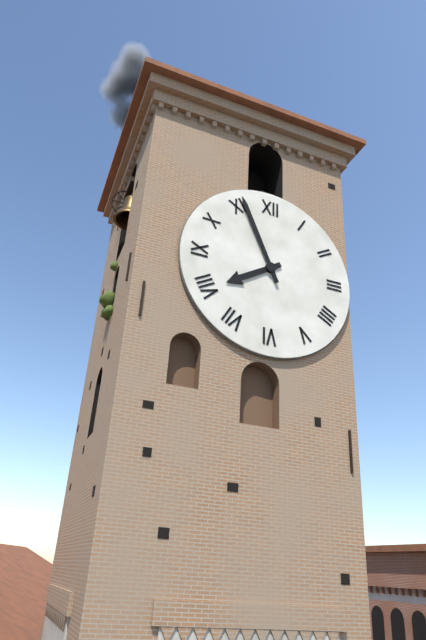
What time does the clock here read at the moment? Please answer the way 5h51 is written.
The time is 7h56
